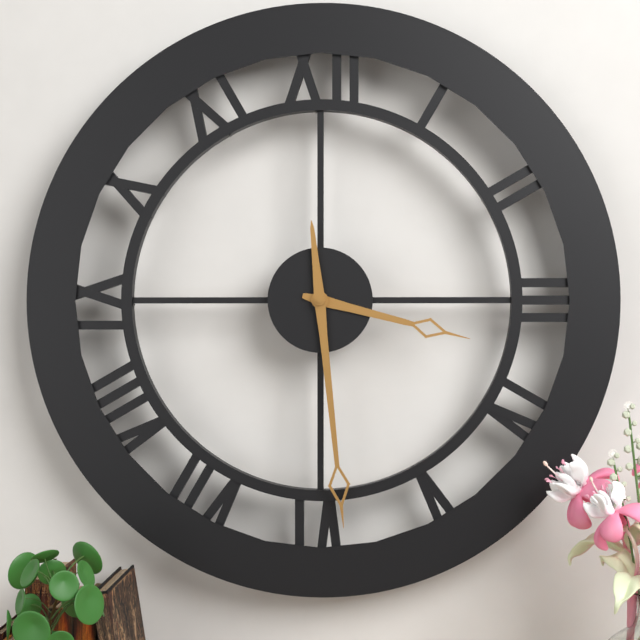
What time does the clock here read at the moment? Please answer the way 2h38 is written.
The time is 3h29
